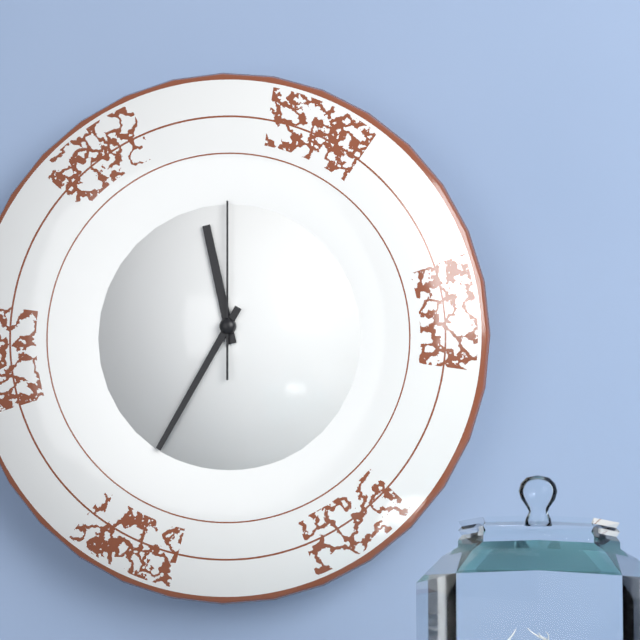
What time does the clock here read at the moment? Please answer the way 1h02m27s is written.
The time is 11h35m00s
